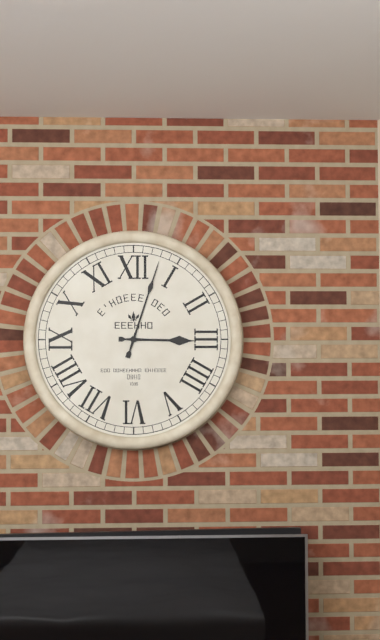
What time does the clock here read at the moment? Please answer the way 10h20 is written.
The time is 3h03
